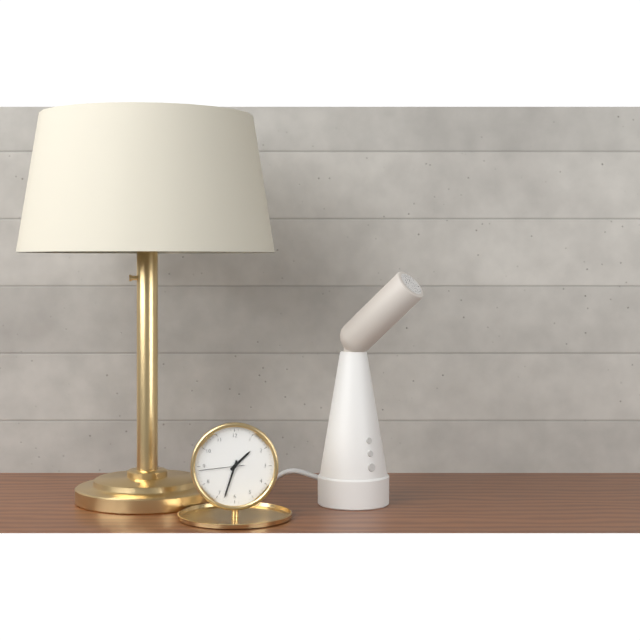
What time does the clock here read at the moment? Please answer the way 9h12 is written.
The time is 1h33
